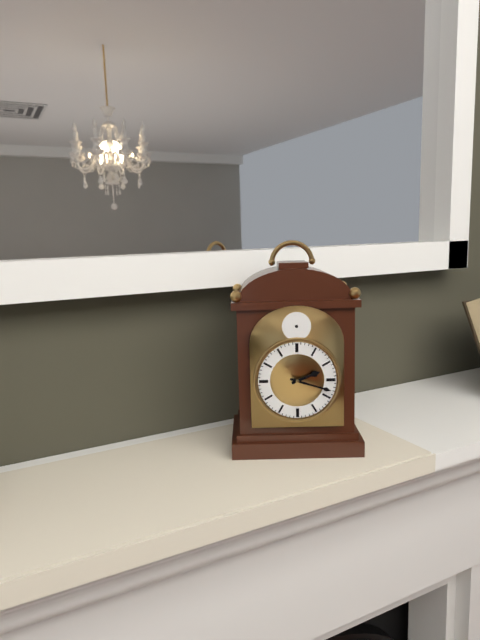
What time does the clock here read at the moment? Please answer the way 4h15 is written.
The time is 2h18
